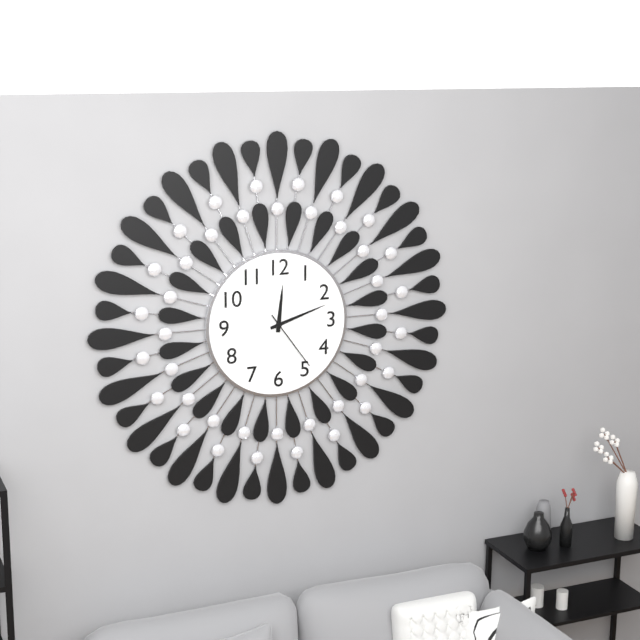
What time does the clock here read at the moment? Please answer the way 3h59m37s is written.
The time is 12h12m24s
